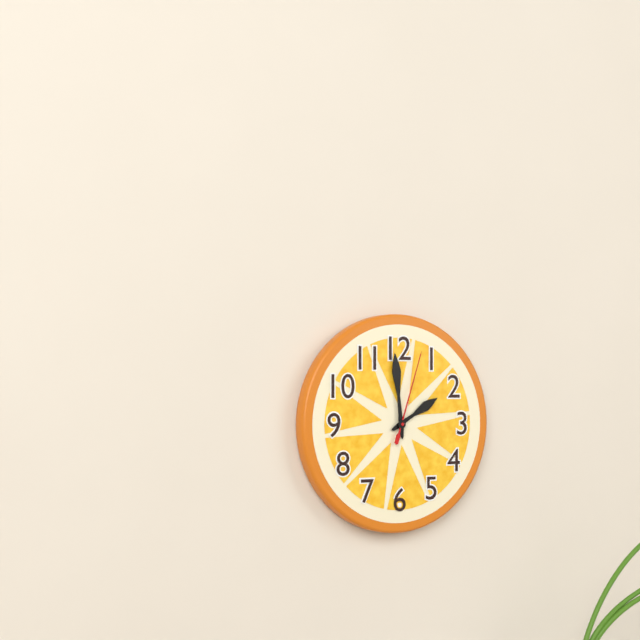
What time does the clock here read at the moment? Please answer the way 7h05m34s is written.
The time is 1h59m03s
